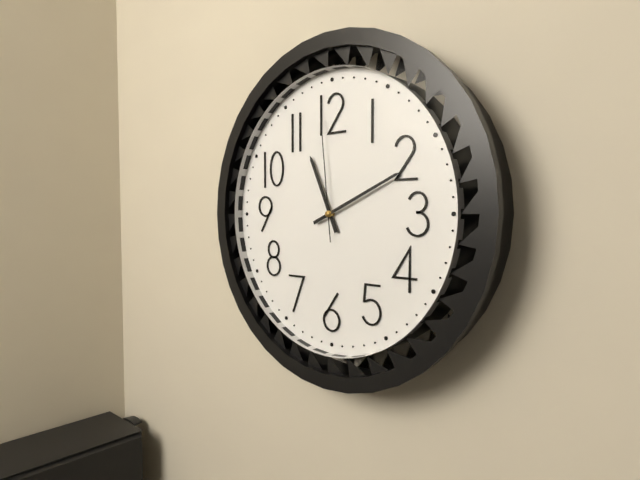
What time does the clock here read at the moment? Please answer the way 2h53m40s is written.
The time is 11h11m59s
